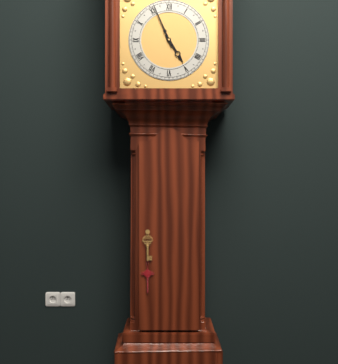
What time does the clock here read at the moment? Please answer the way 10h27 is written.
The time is 4h56
